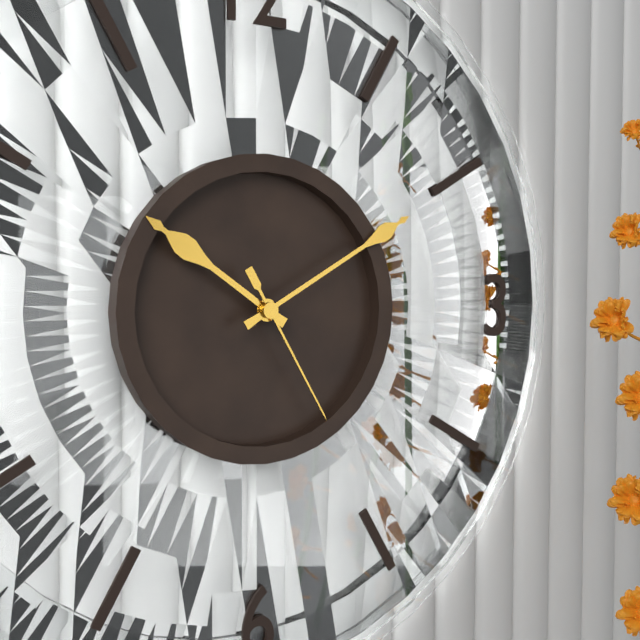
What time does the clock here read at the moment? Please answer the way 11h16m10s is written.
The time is 10h10m25s
